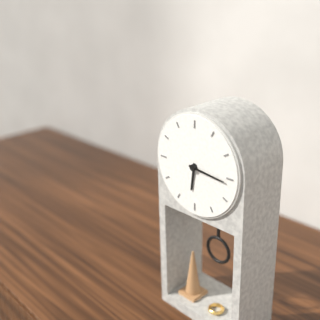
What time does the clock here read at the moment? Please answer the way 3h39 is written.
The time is 6h16
